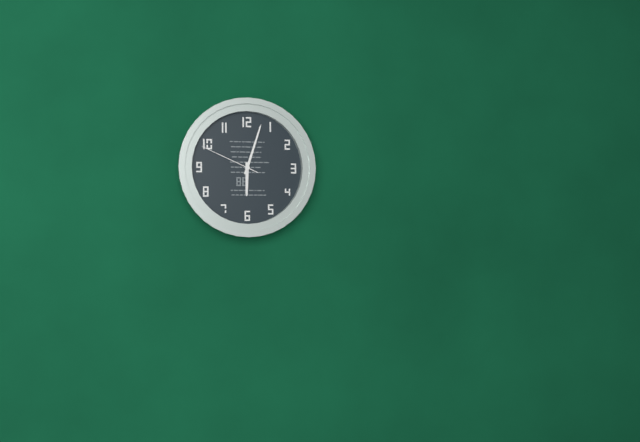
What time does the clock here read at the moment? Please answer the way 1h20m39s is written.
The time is 6h03m49s
